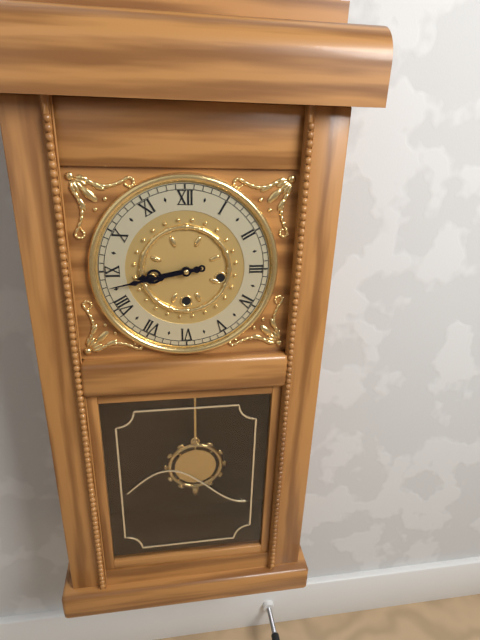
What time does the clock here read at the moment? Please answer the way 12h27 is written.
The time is 8h43
